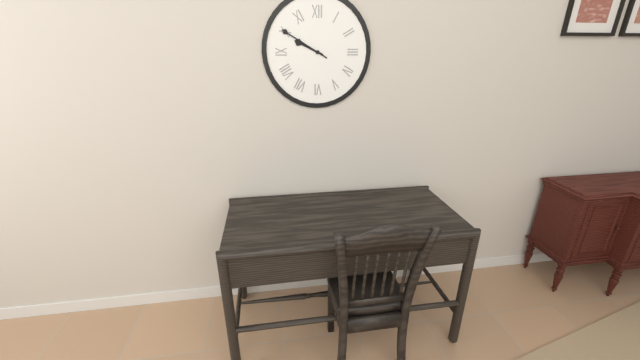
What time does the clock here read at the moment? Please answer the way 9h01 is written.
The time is 9h50
